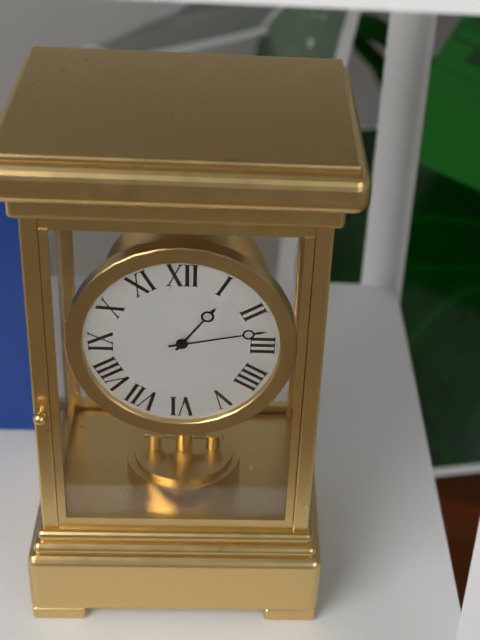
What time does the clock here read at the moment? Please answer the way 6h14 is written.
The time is 1h13
